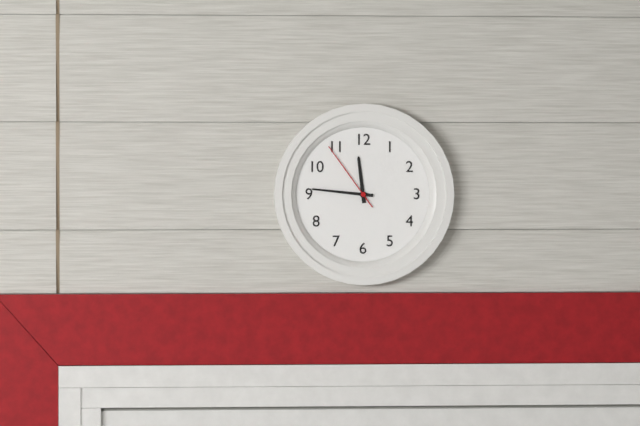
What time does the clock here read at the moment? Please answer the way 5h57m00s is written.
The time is 11h46m54s
